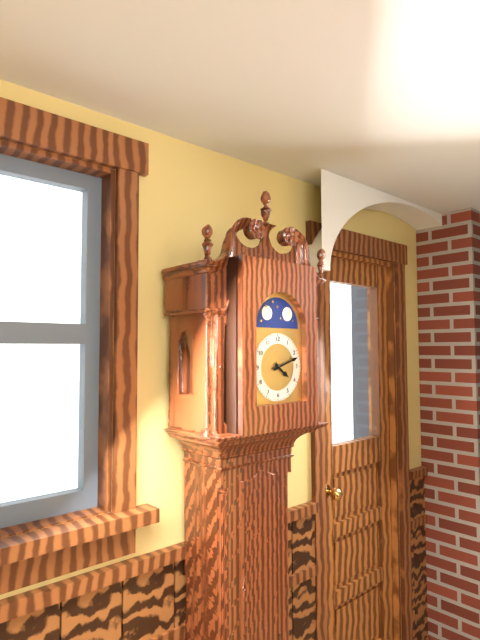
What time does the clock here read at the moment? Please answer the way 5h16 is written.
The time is 4h12
